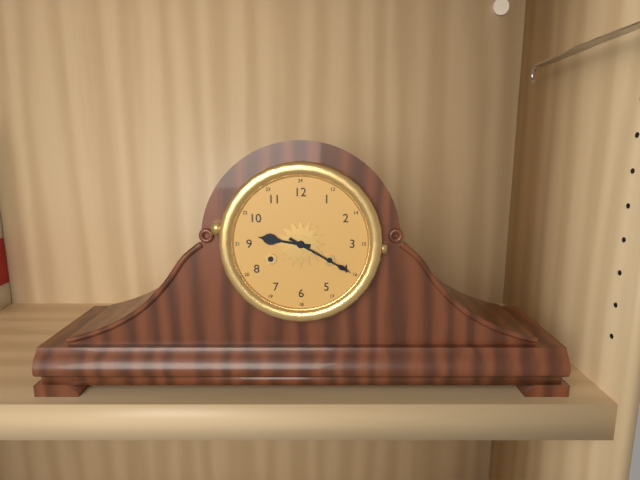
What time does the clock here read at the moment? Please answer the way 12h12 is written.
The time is 9h20
